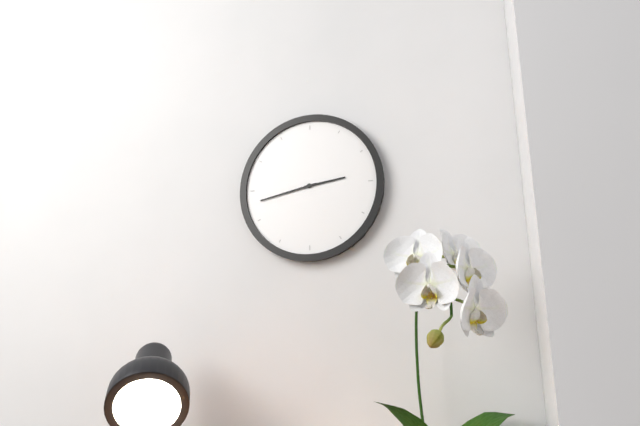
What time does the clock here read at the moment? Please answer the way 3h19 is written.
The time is 2h43
